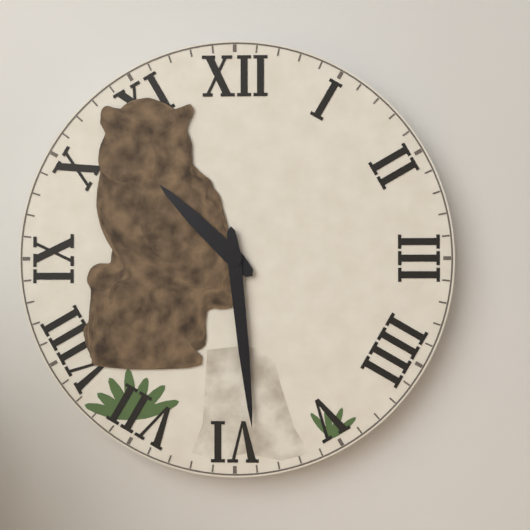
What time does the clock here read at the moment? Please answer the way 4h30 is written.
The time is 10h29
